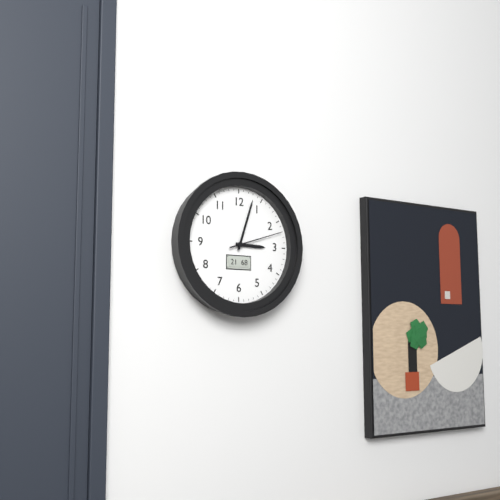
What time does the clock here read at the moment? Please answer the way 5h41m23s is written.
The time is 3h03m12s
